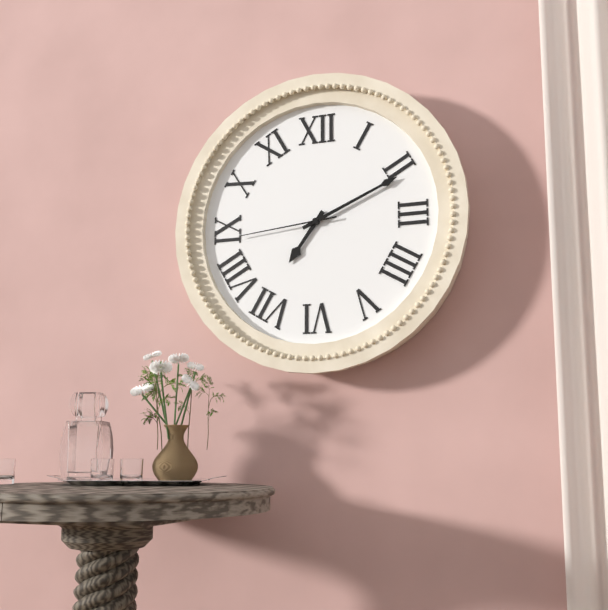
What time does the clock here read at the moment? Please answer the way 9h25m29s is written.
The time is 7h11m44s
